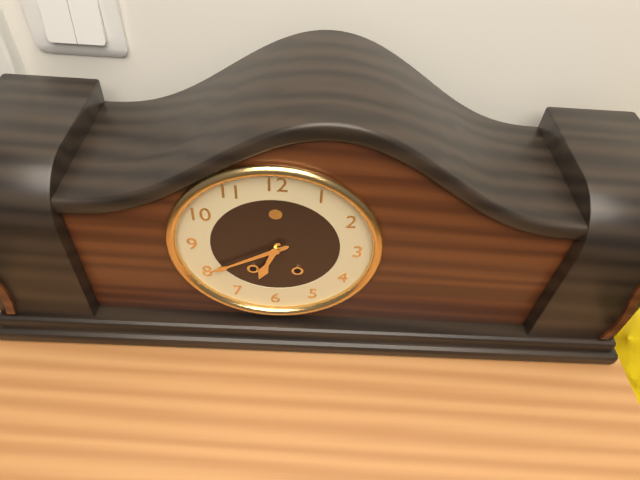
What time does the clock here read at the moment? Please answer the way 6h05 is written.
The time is 6h40
